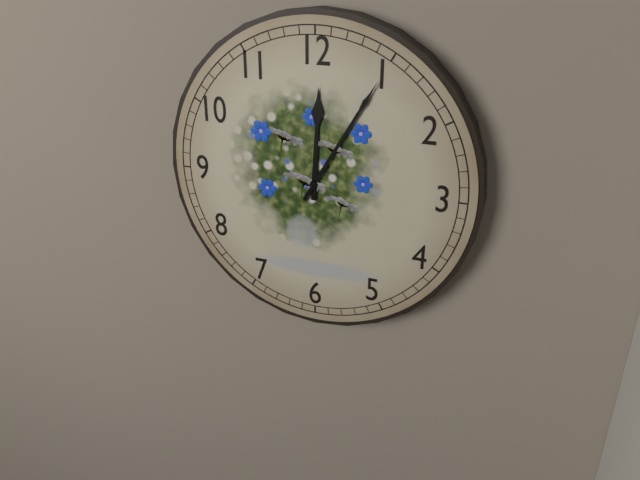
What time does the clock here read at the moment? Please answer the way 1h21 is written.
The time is 12h05
